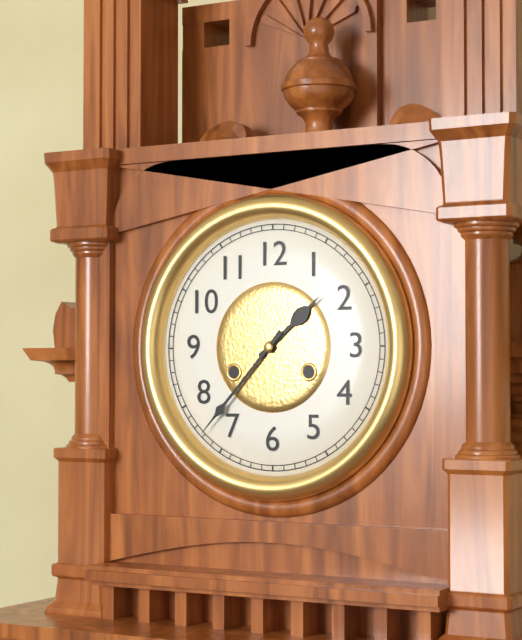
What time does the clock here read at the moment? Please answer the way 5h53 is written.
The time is 1h37
